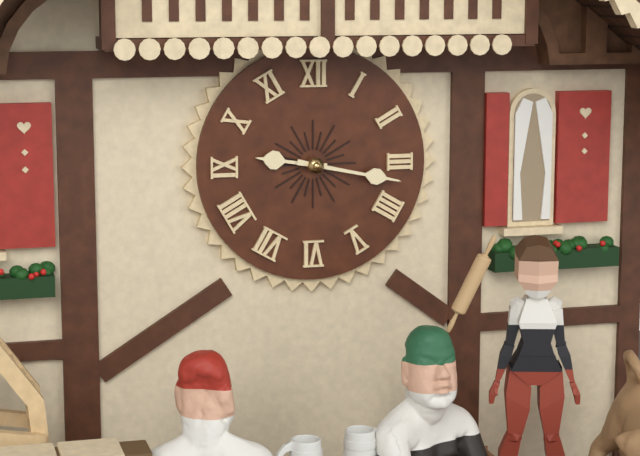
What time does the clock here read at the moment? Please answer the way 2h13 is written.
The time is 9h17
